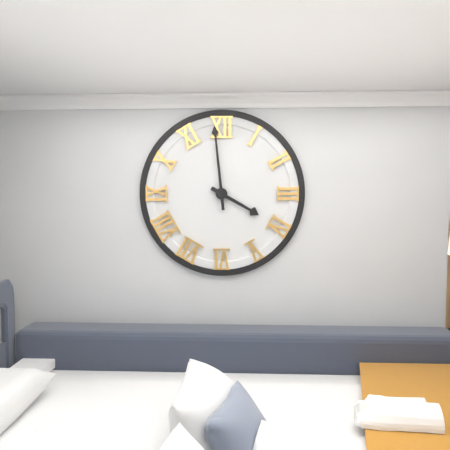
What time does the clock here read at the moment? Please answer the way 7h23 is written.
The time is 3h59
